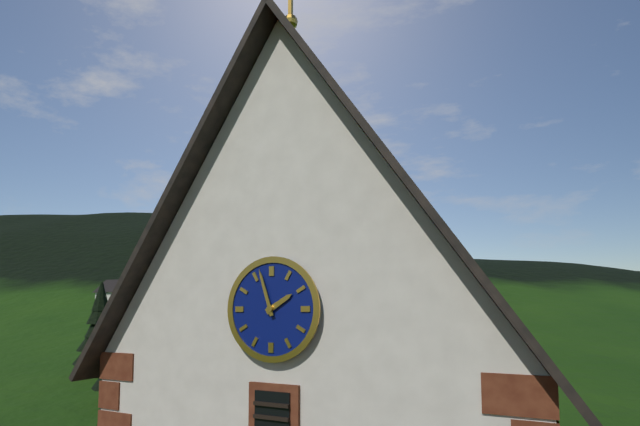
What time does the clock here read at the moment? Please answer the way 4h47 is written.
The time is 1h57
